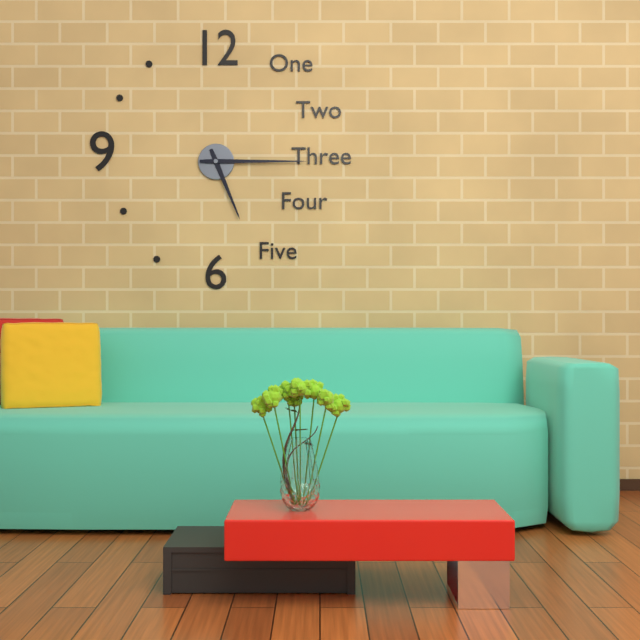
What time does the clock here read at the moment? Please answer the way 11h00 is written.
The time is 5h15
